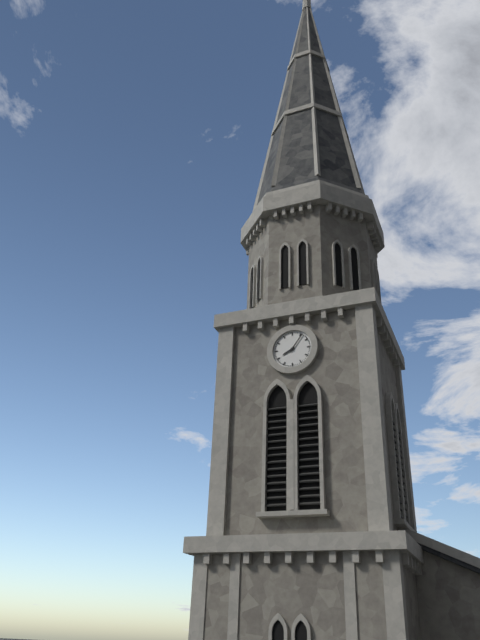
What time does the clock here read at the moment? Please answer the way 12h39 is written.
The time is 8h06
